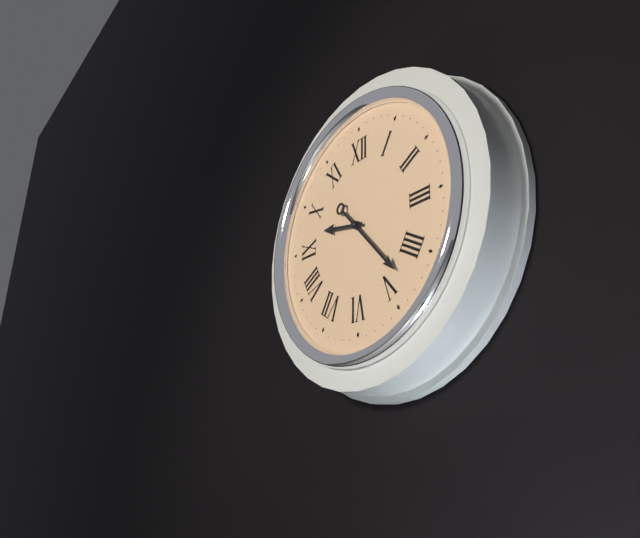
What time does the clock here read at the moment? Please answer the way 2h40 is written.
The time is 9h23
